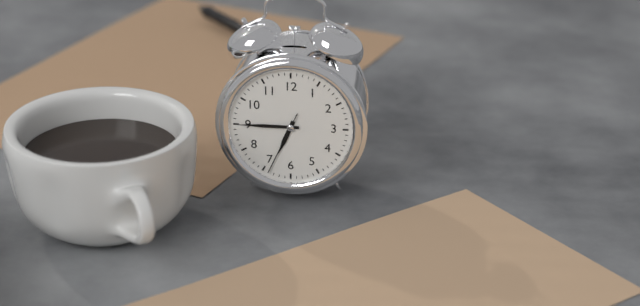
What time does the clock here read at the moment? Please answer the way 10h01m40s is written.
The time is 6h45m34s
